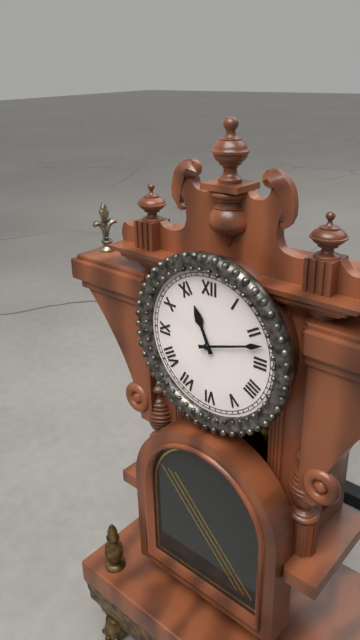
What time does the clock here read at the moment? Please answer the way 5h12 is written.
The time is 11h12
